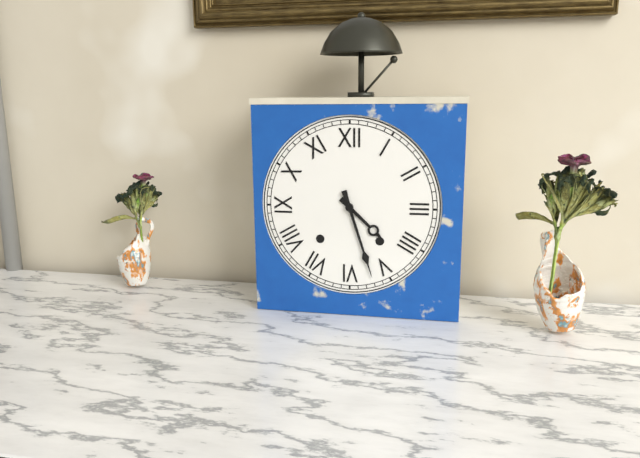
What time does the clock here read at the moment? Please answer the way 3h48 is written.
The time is 4h27
